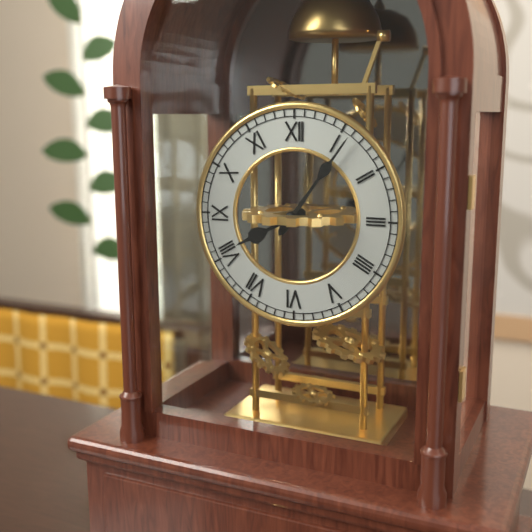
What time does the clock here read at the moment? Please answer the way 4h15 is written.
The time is 8h06
